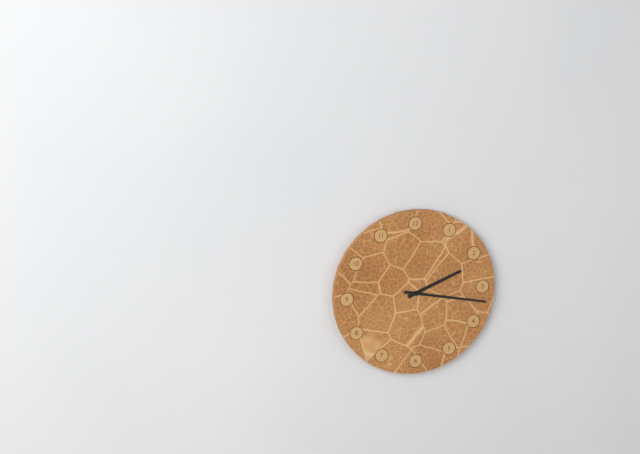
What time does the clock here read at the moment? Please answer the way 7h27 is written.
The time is 2h17
